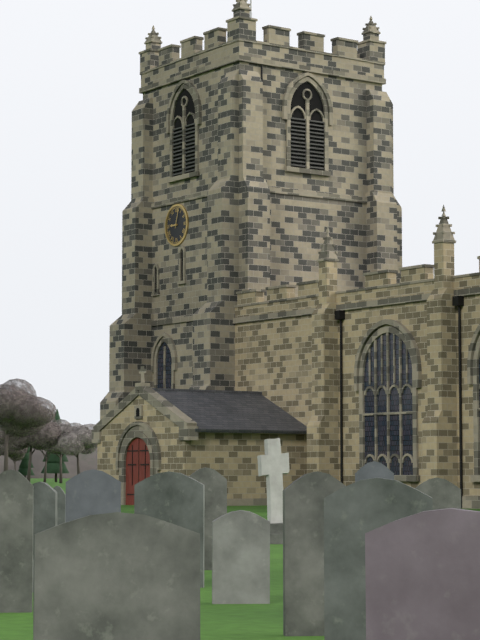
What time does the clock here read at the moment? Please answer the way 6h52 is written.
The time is 9h03
